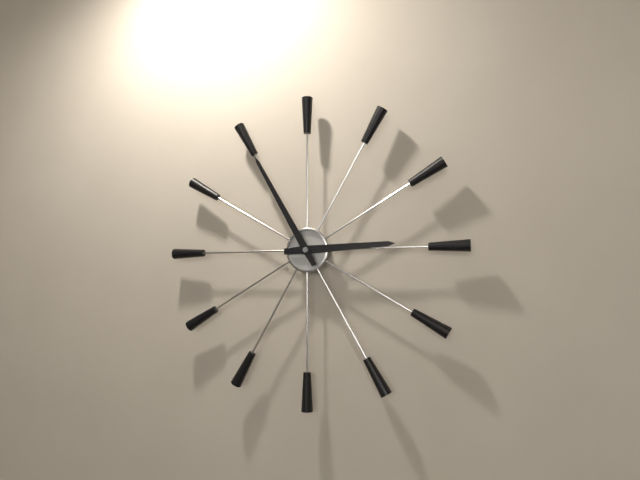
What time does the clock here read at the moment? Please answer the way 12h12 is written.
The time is 2h55
